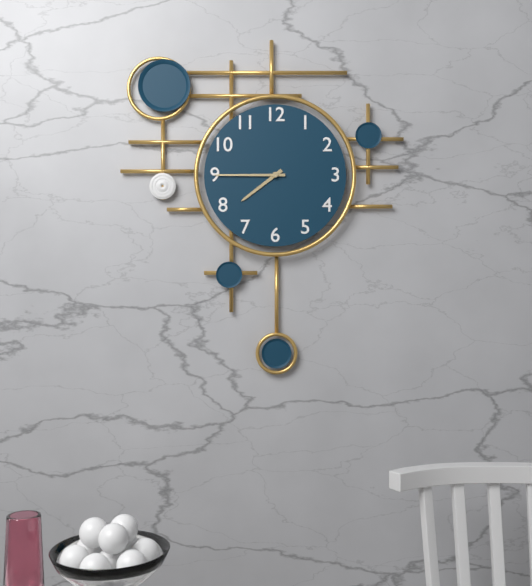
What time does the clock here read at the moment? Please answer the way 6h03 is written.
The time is 7h45
